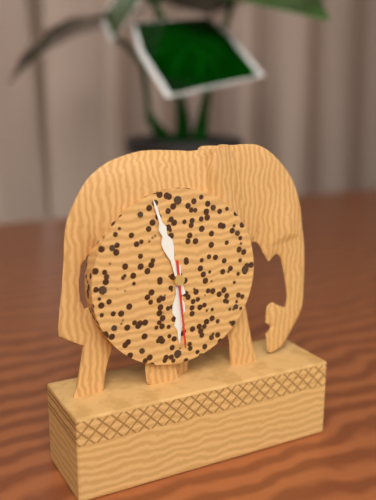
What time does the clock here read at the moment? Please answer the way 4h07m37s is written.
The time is 5h57m29s
